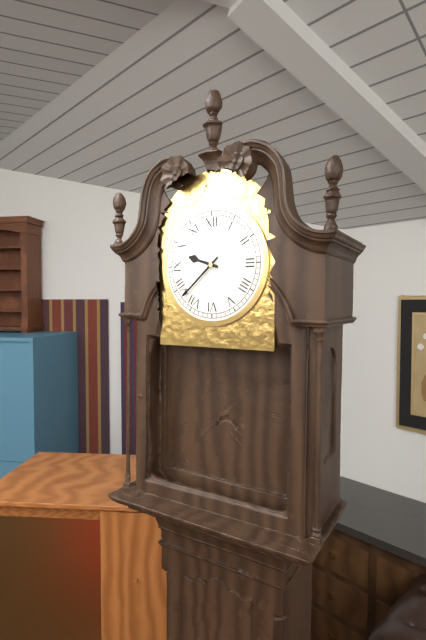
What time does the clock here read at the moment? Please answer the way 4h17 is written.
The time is 9h38
